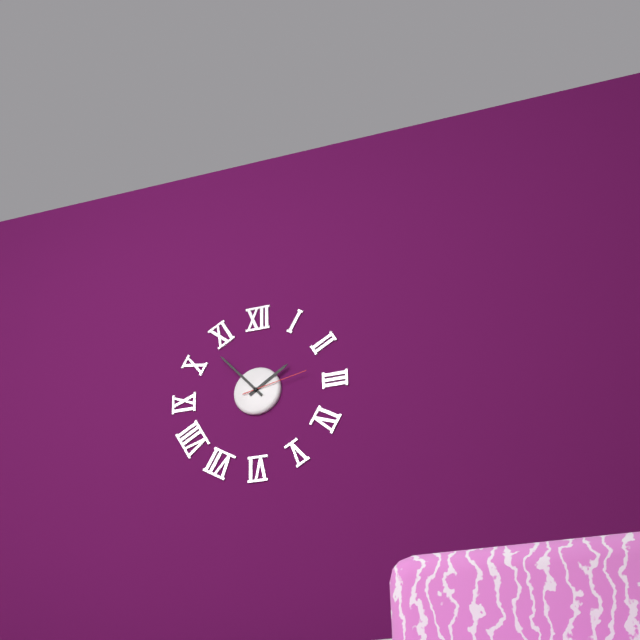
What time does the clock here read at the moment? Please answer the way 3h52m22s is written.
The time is 1h53m13s
